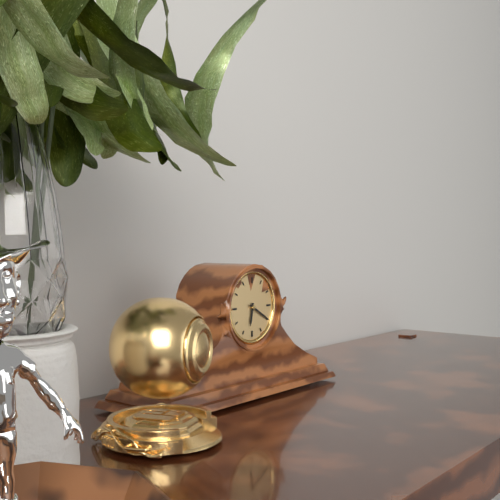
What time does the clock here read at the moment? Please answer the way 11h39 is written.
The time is 6h20
